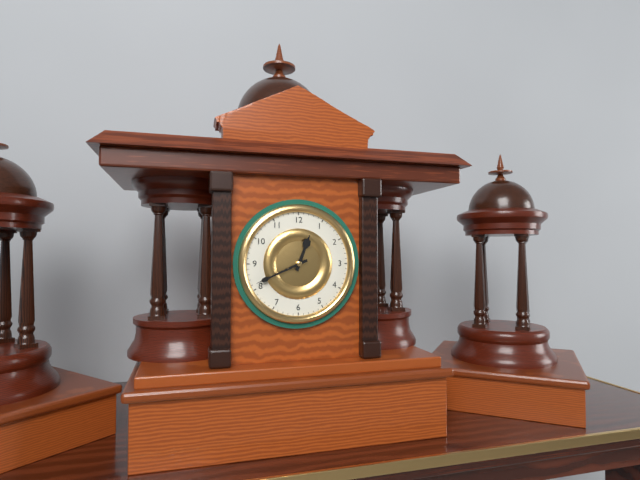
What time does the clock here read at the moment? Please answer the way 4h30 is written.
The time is 12h41
